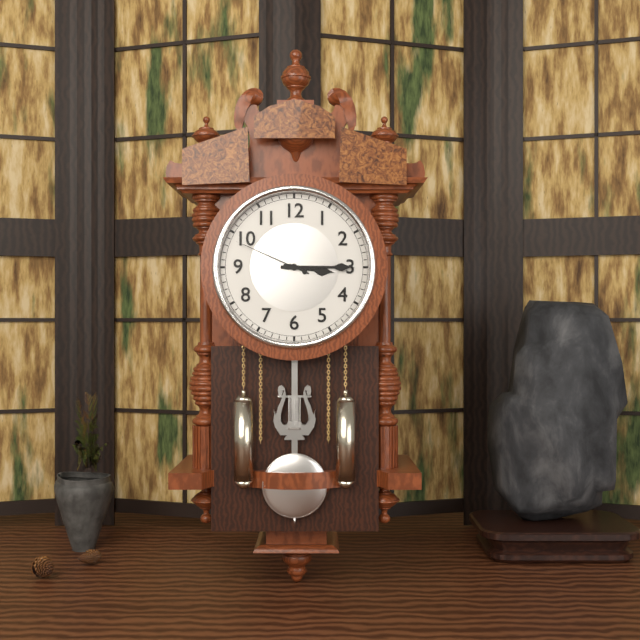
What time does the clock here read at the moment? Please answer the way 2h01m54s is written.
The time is 3h15m49s
